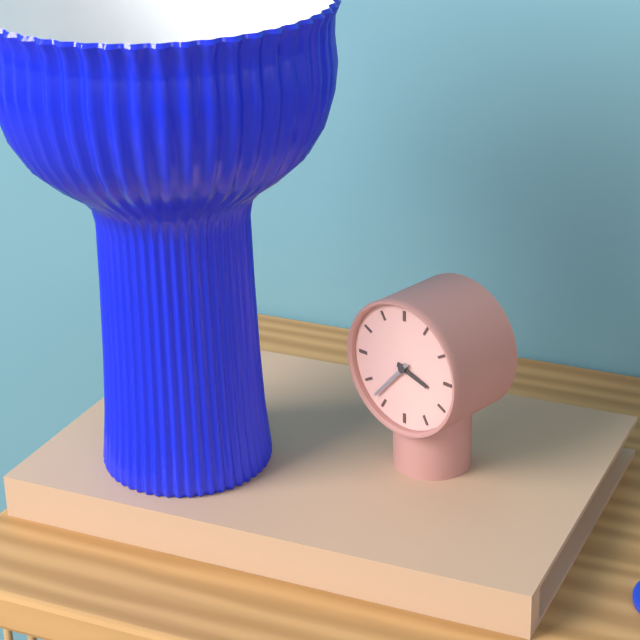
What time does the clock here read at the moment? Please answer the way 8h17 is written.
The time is 3h37
